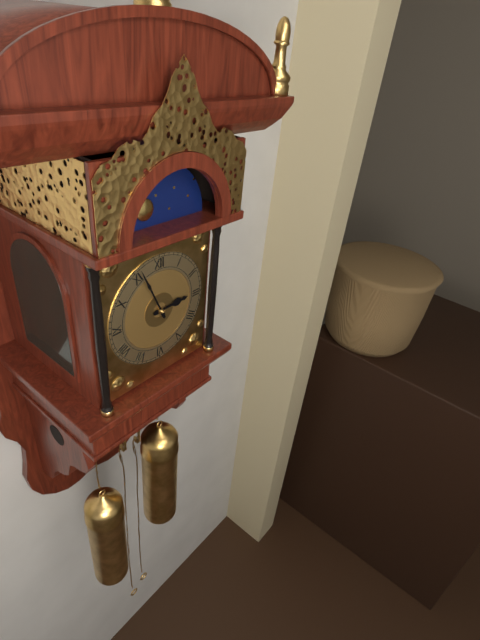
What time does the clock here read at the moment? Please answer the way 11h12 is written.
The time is 2h56
